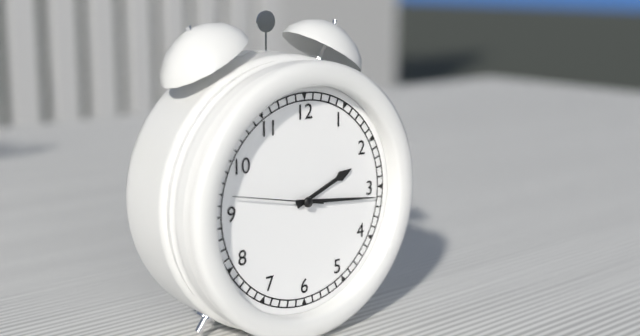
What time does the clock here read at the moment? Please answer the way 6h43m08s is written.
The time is 2h16m47s
